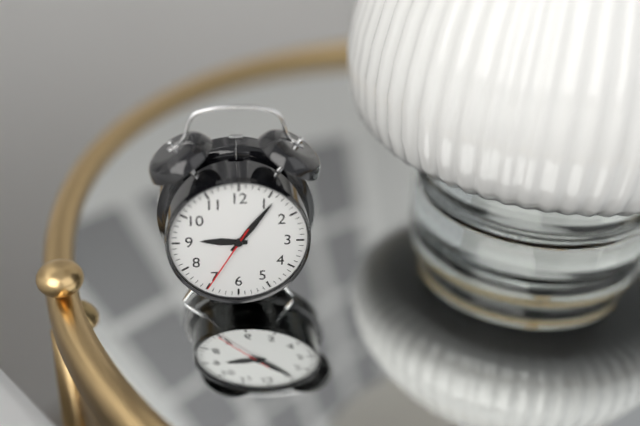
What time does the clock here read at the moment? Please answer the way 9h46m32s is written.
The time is 9h06m35s
